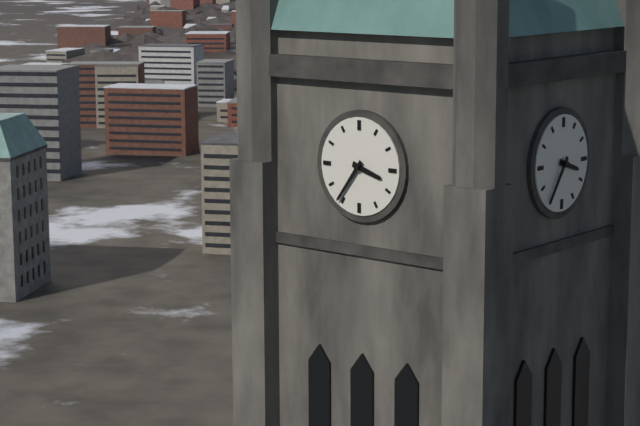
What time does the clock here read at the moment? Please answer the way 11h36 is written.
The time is 3h36
